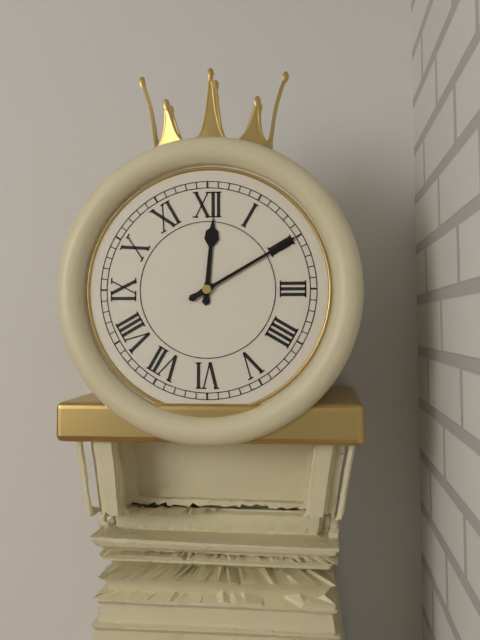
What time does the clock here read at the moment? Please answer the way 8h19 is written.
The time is 12h10
